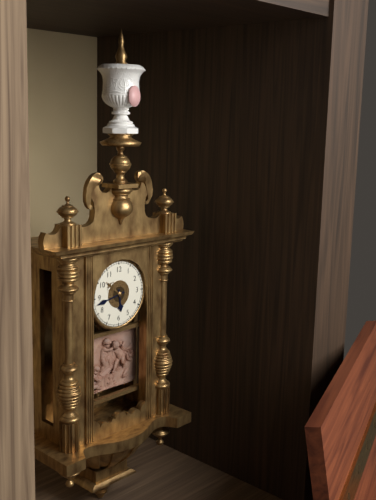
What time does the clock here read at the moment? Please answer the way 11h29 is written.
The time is 5h43
